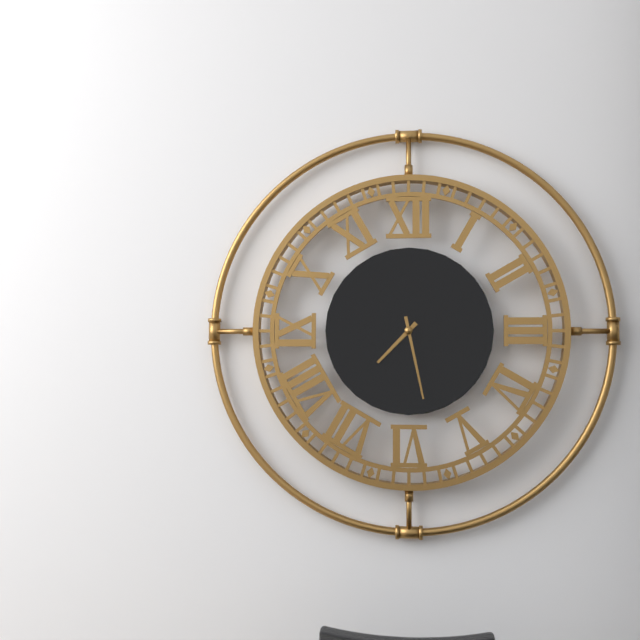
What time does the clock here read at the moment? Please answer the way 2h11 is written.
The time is 7h28
